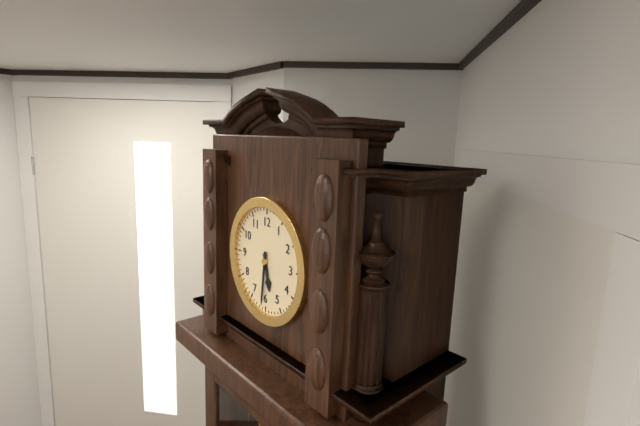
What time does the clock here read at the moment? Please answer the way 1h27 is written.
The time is 5h31
